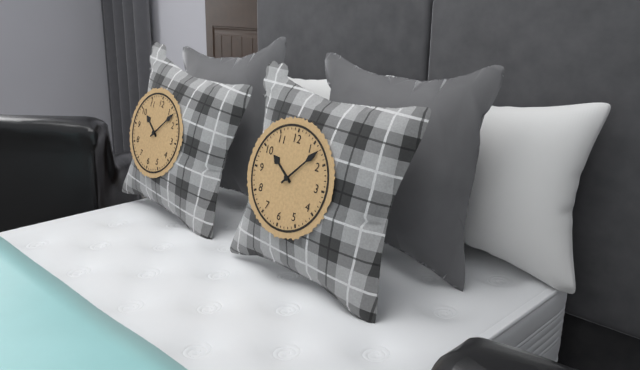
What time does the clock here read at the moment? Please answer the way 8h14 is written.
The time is 10h07
